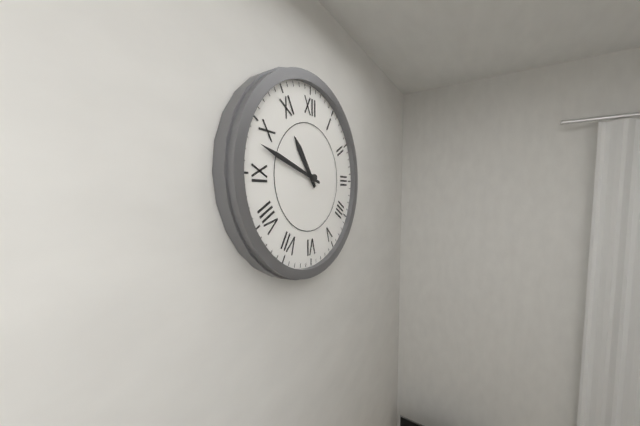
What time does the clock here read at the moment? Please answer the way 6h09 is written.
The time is 10h48
